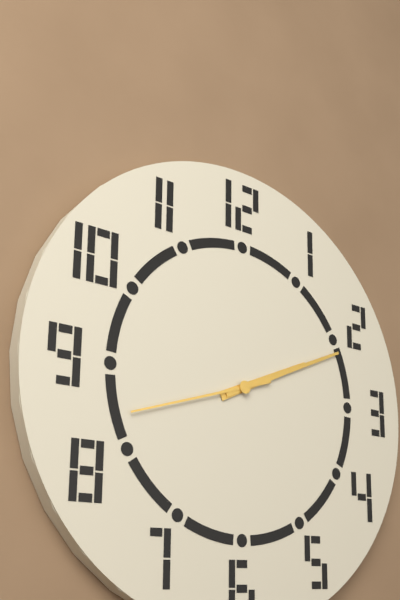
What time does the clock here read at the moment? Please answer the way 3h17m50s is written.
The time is 2h11m42s
